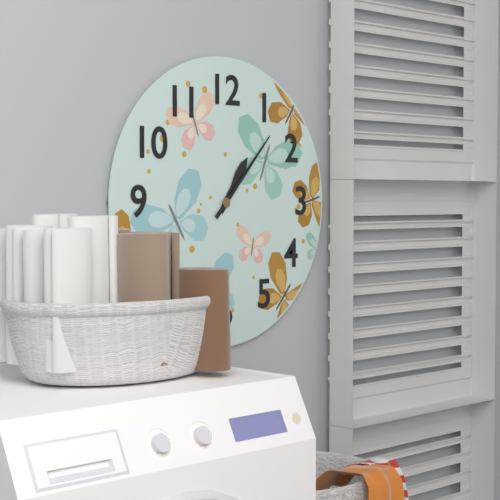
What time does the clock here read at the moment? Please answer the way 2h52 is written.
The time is 1h07
